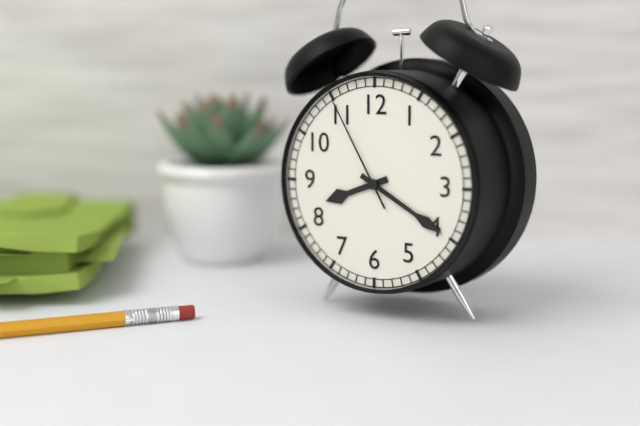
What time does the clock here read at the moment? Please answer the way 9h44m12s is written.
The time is 8h20m55s
